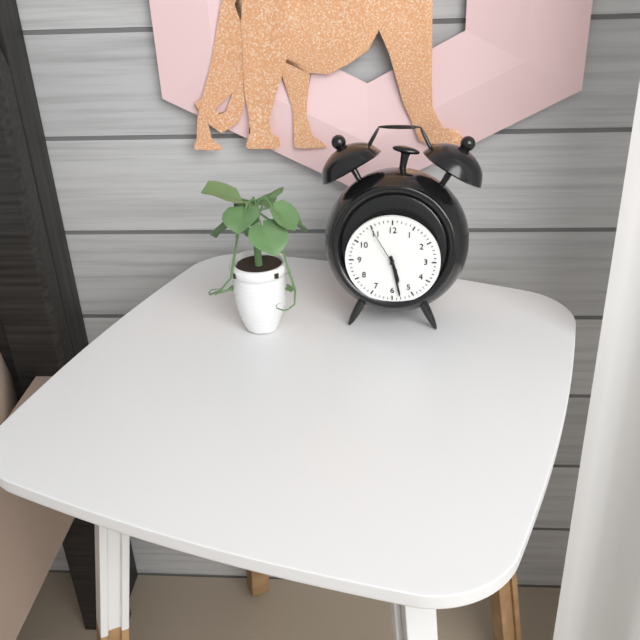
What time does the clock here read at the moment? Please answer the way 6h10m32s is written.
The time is 5h28m55s
